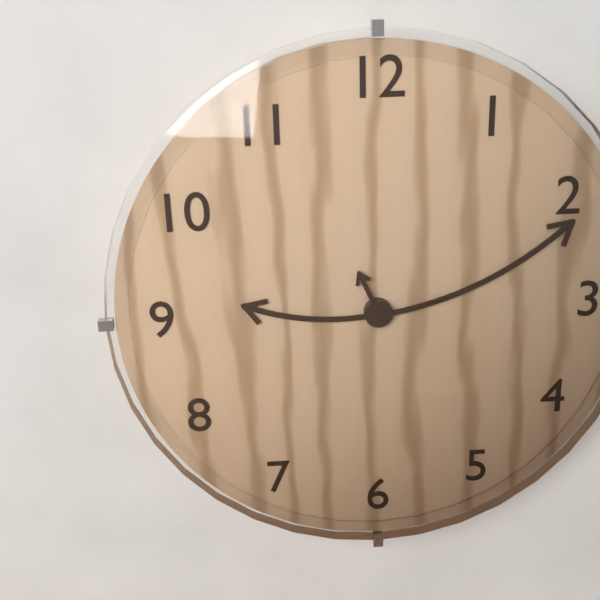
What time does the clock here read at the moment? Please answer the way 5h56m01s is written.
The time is 9h11m56s
